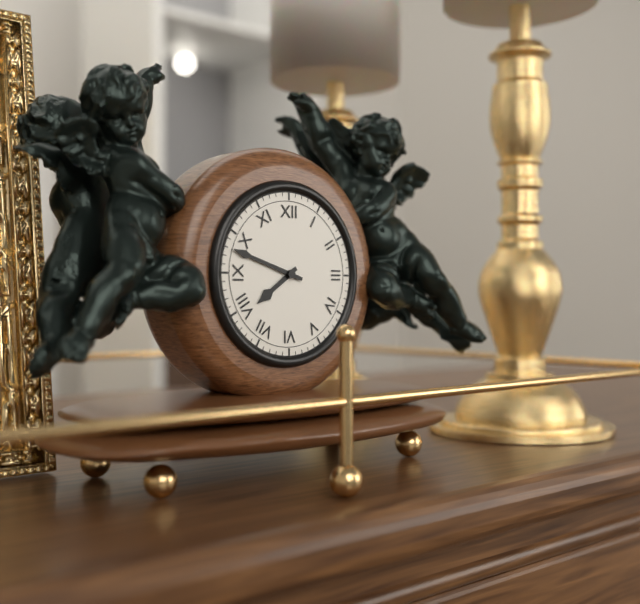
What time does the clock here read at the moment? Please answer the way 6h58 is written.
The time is 7h48
